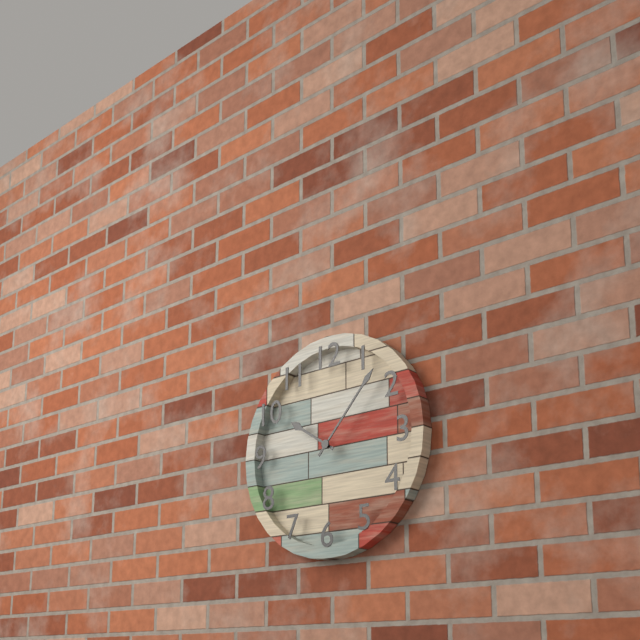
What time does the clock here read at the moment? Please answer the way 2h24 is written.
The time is 10h07
